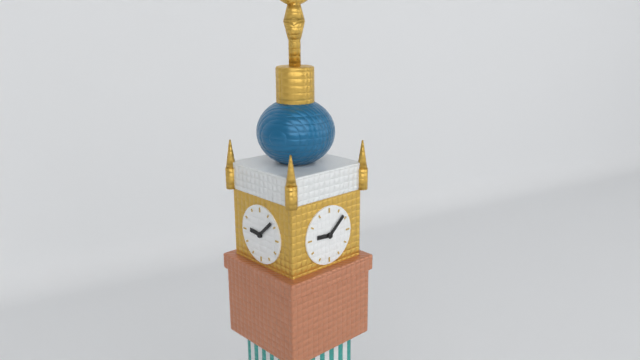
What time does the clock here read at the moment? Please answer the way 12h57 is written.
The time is 9h08
